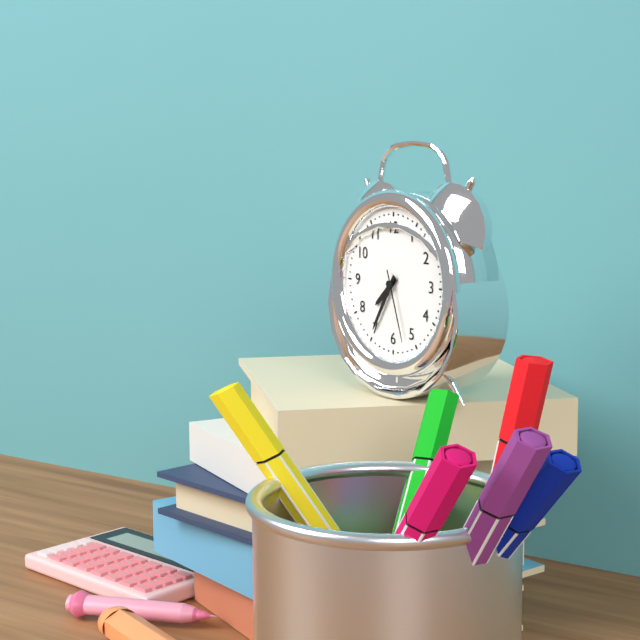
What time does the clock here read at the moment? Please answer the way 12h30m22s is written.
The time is 7h35m27s
